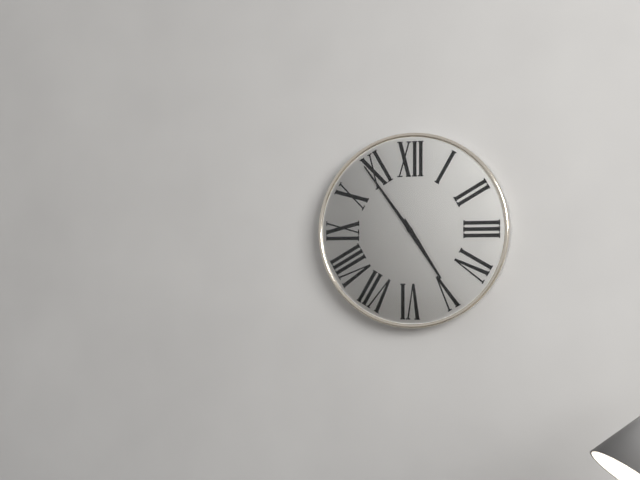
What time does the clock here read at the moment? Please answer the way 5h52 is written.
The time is 4h54
